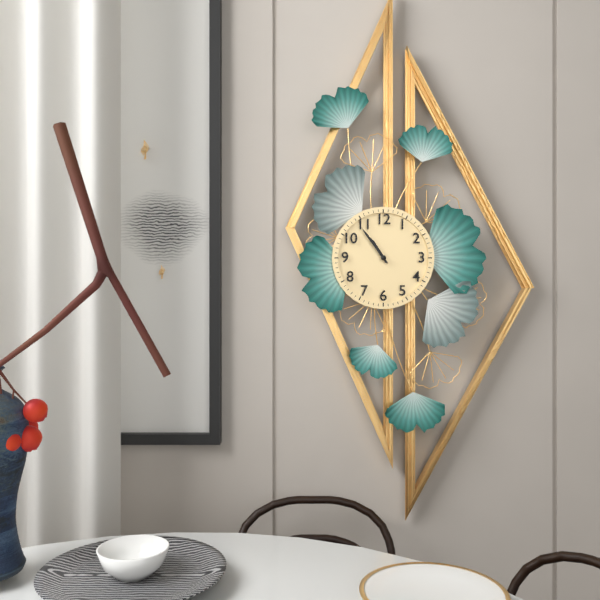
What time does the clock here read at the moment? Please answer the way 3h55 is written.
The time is 10h54
